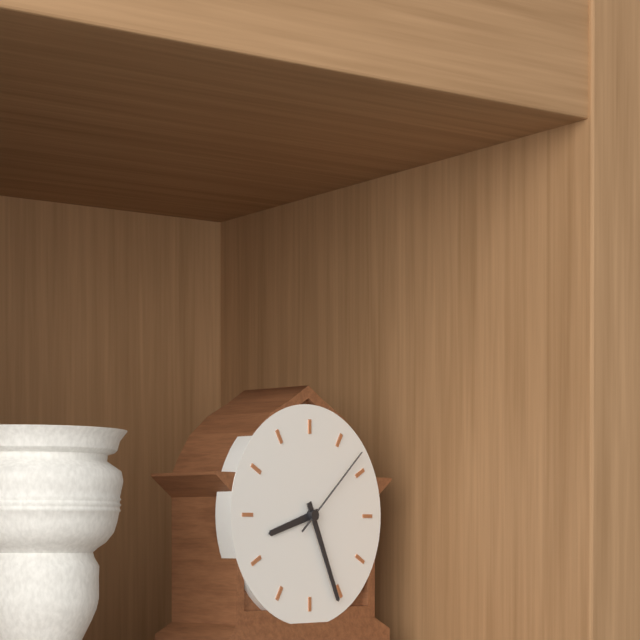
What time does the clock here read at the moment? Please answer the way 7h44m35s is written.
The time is 8h26m08s
